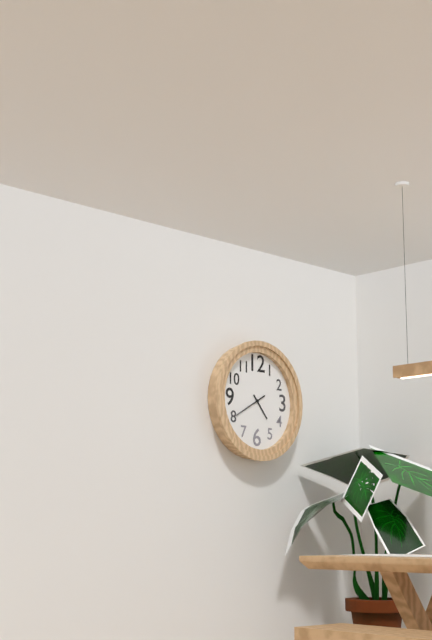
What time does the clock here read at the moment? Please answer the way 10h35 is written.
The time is 4h40
